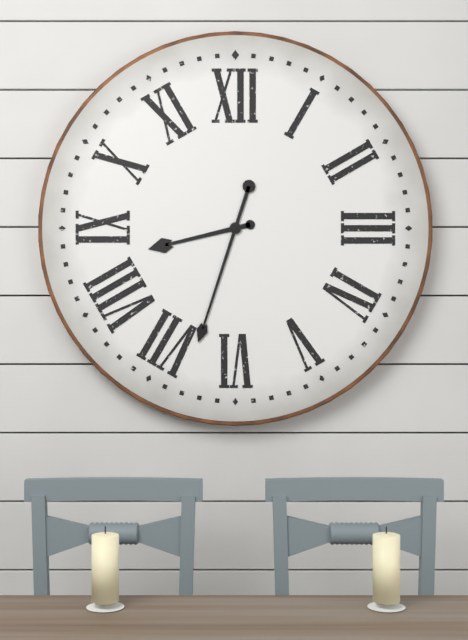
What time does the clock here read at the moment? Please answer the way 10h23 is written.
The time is 8h33
